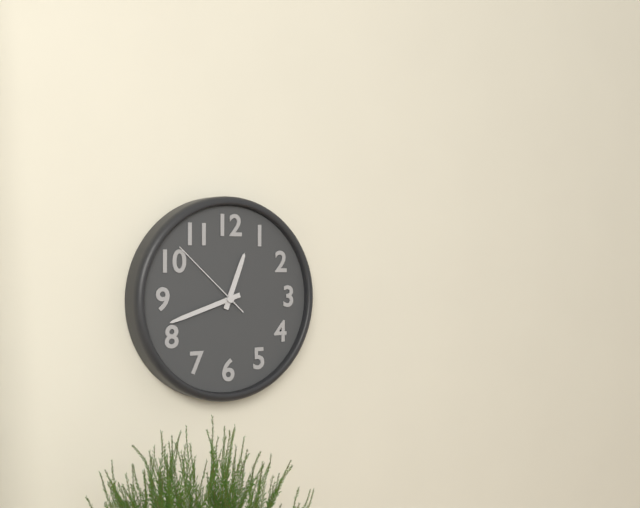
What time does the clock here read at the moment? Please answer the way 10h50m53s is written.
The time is 12h42m52s
